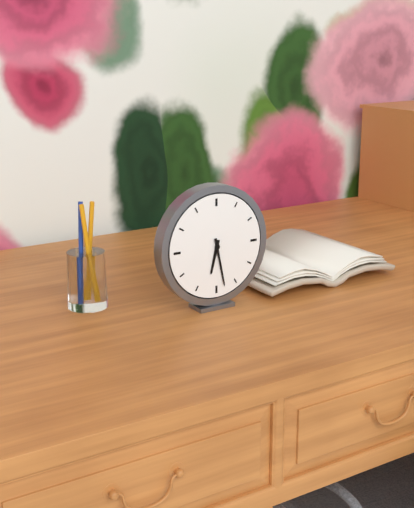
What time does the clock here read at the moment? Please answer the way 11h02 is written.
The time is 6h28
